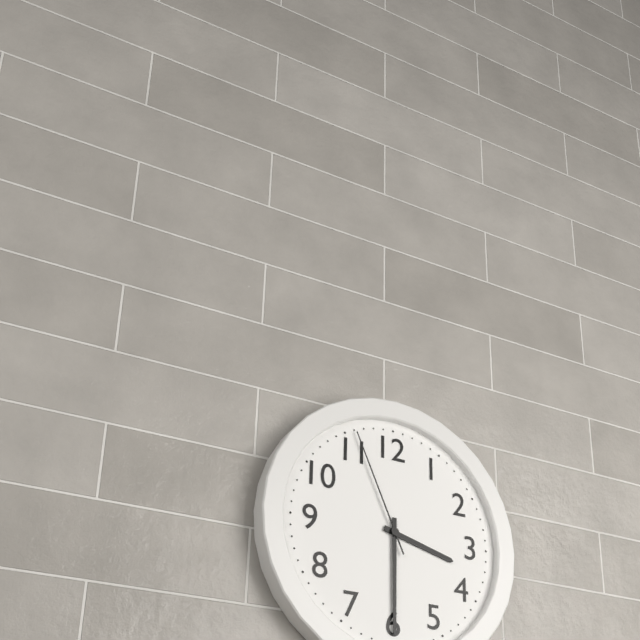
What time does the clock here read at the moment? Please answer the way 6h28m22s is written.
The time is 3h30m56s
